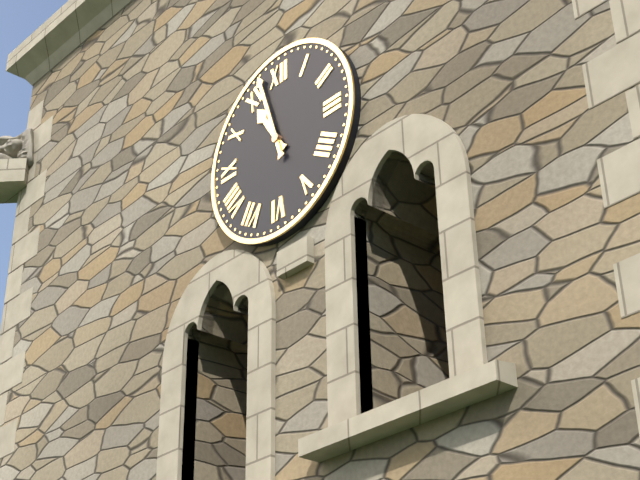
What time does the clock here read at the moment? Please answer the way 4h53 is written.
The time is 10h57
